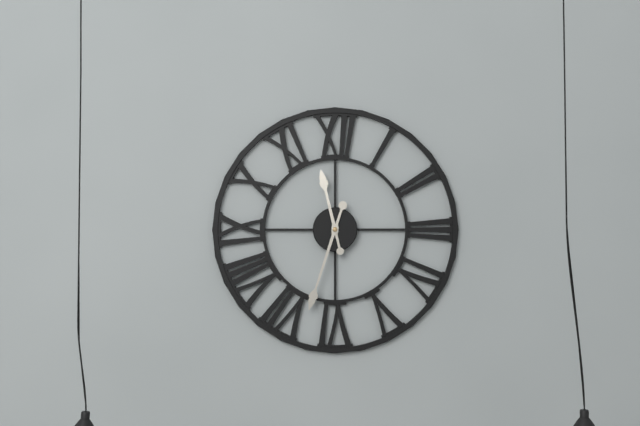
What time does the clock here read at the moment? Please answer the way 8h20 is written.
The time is 11h33
